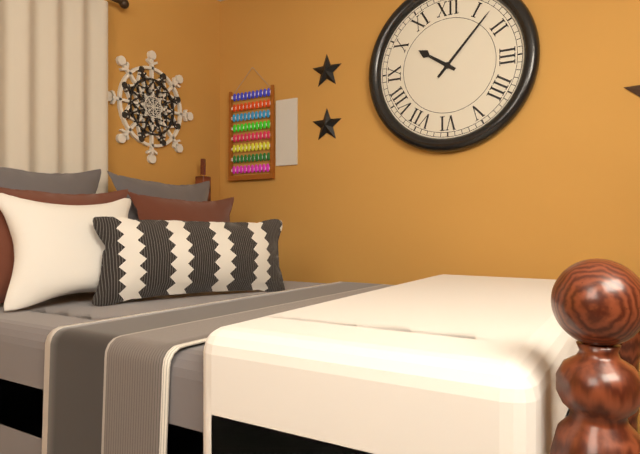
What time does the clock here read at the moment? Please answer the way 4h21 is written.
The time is 10h07
